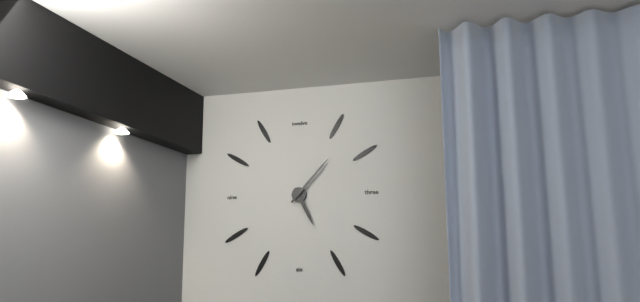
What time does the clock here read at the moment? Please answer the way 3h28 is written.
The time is 5h07
